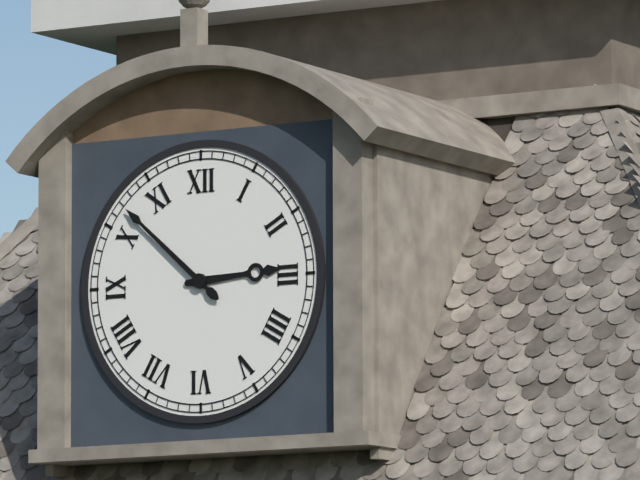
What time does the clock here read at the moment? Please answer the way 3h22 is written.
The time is 2h52
